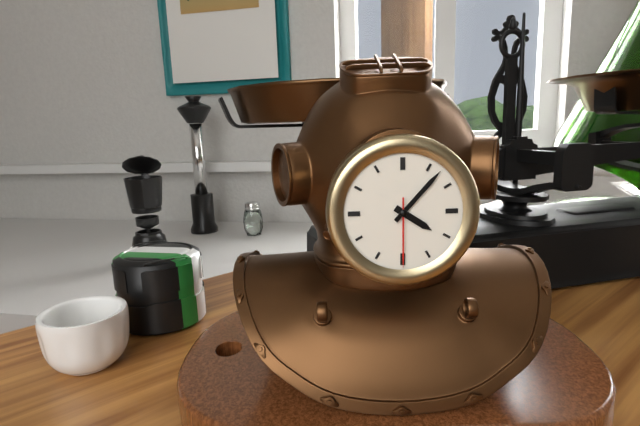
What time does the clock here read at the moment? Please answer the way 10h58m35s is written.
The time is 4h07m30s
